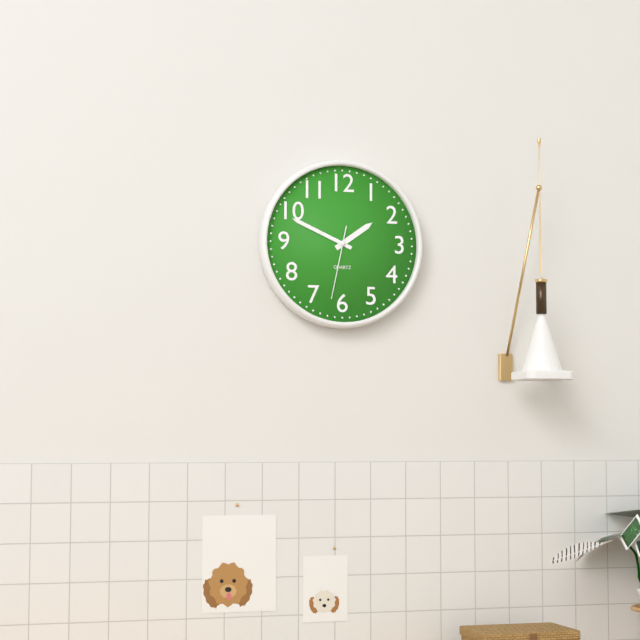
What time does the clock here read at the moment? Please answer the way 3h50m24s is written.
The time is 1h49m32s
